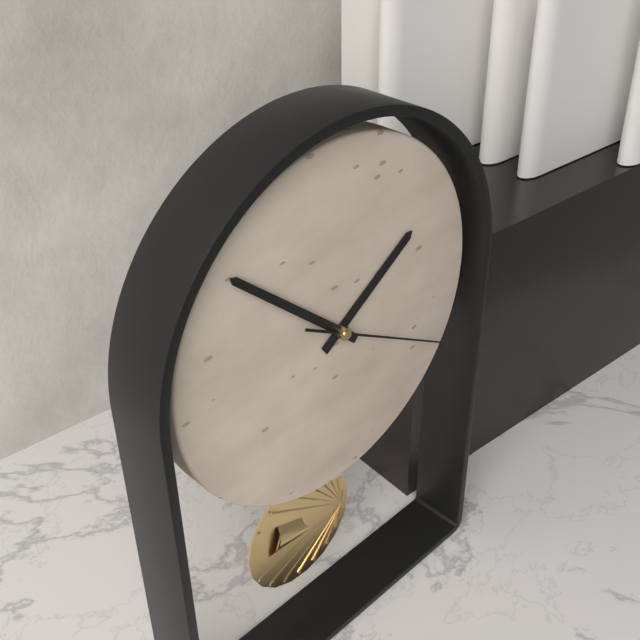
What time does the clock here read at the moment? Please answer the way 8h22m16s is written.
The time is 1h52m20s
